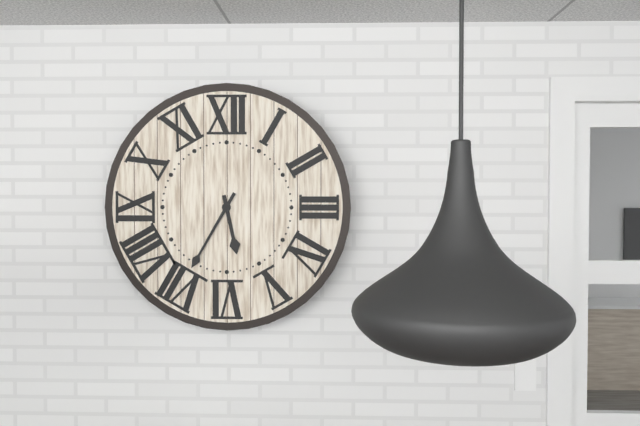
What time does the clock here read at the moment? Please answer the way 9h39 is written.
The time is 5h35
